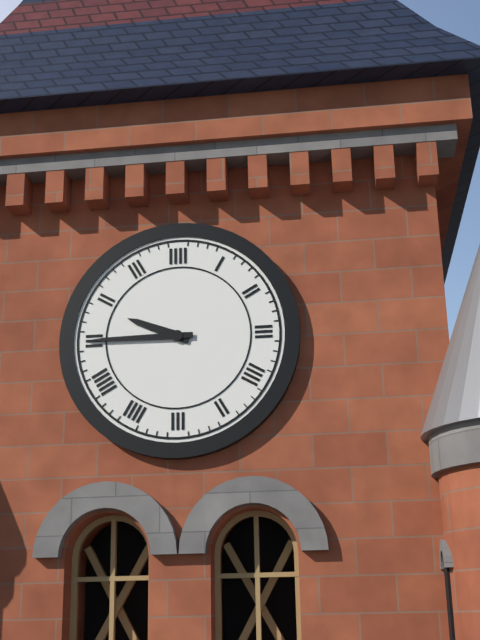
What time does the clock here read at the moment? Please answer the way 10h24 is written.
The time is 9h45
